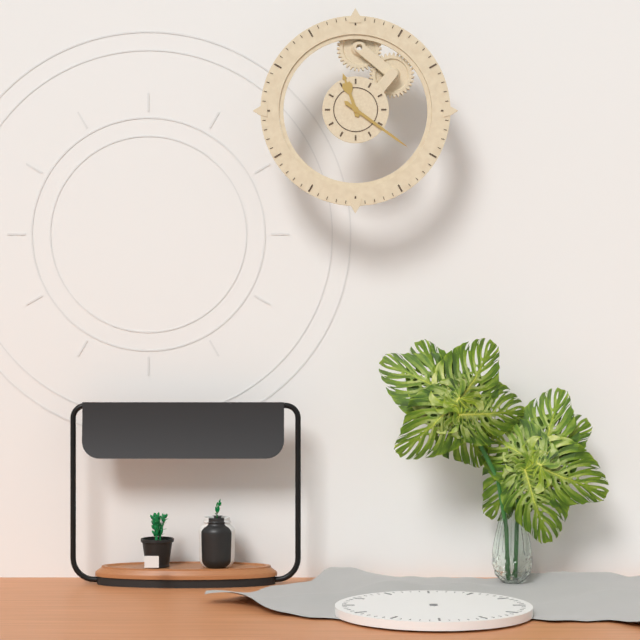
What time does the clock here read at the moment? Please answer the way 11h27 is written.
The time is 11h21
